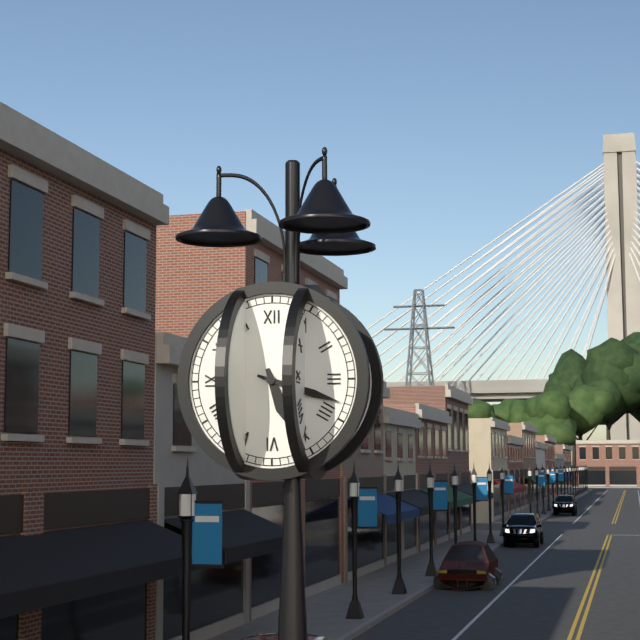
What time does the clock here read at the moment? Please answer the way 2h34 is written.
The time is 5h18
